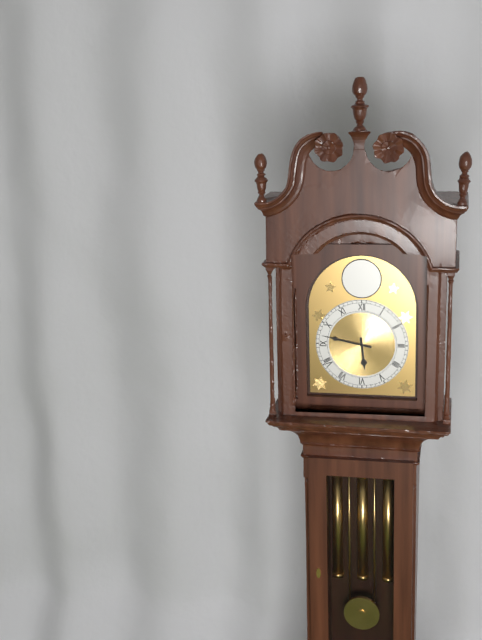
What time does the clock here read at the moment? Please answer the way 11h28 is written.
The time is 5h47
